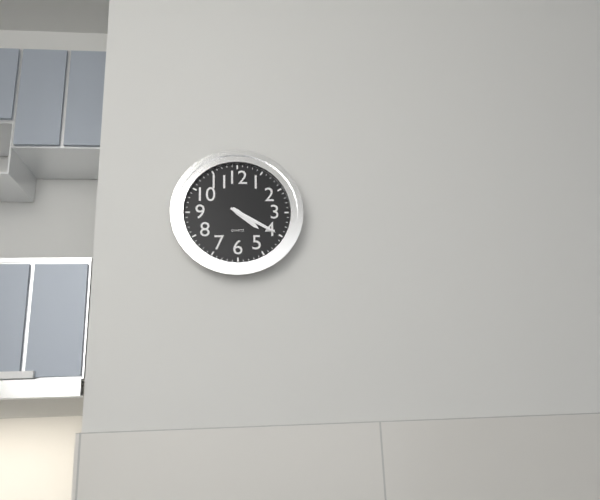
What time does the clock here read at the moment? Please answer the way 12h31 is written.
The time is 4h20
